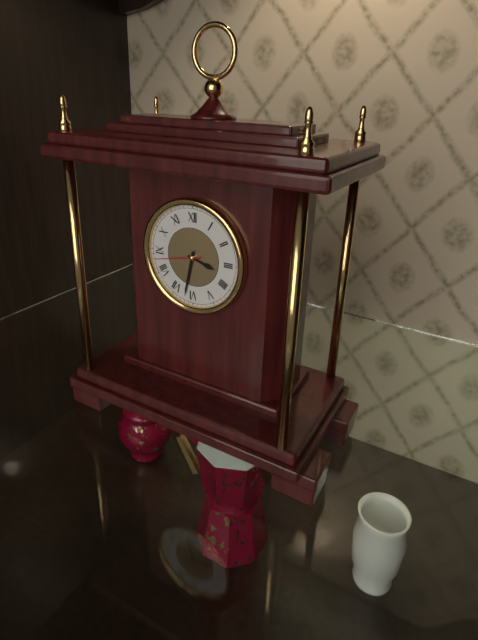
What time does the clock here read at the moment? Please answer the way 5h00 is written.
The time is 3h32
